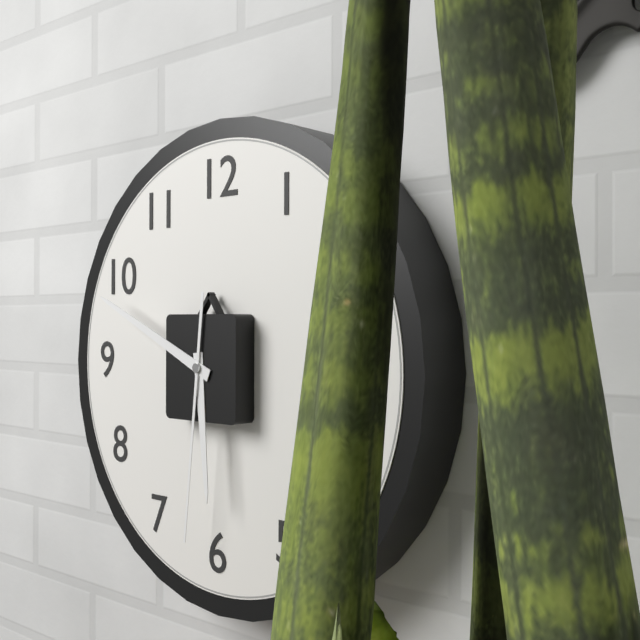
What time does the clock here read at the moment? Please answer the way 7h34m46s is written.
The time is 5h49m31s
